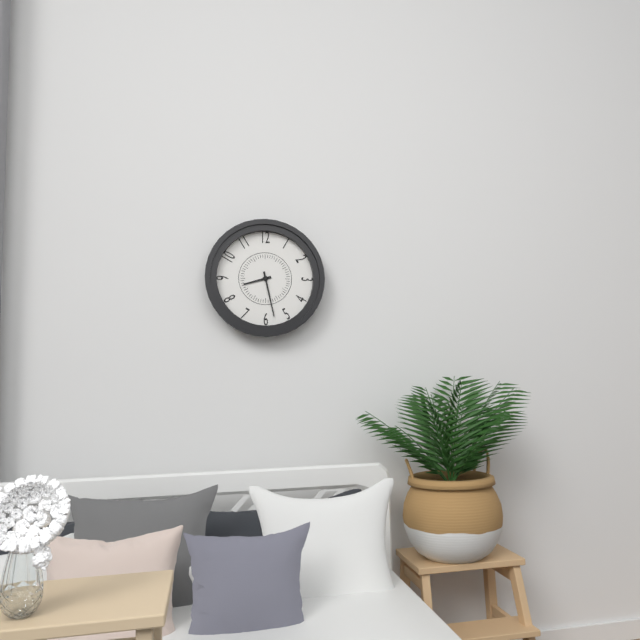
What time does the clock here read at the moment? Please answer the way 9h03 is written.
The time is 8h28
